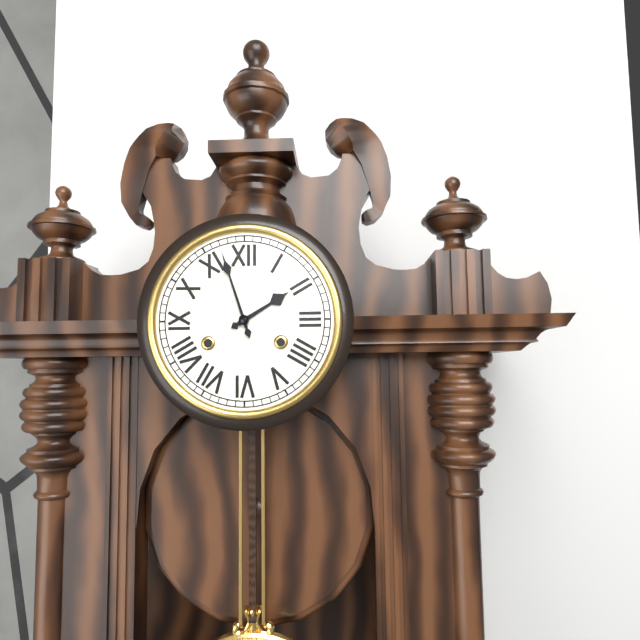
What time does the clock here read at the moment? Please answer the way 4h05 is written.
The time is 1h57
